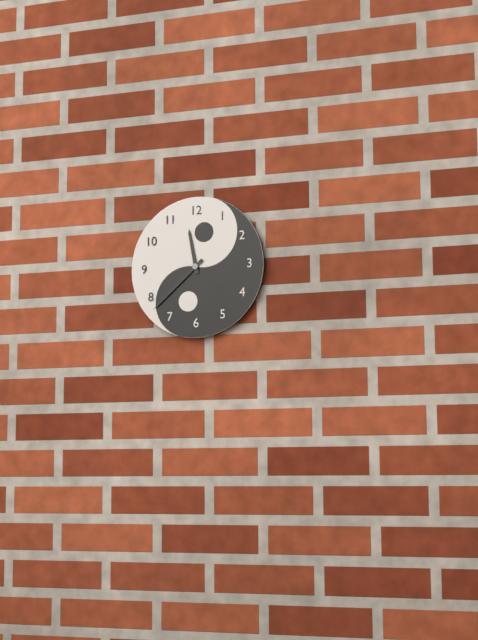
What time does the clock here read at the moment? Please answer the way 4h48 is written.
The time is 11h38
